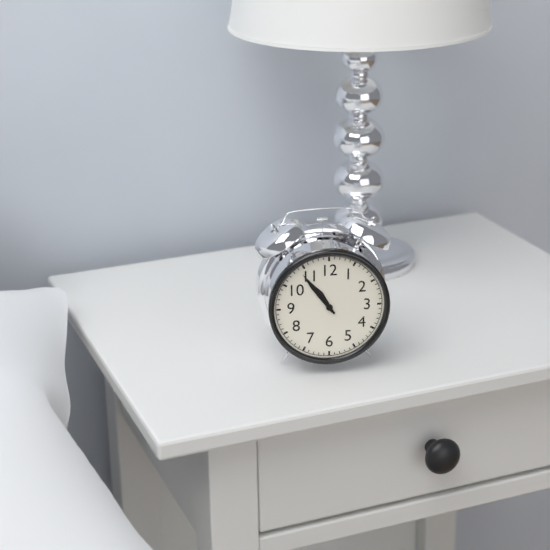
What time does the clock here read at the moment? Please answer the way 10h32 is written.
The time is 10h54
